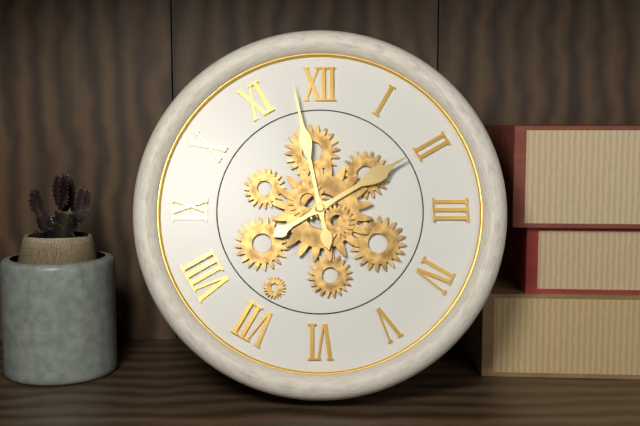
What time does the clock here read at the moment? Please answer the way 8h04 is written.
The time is 1h58
